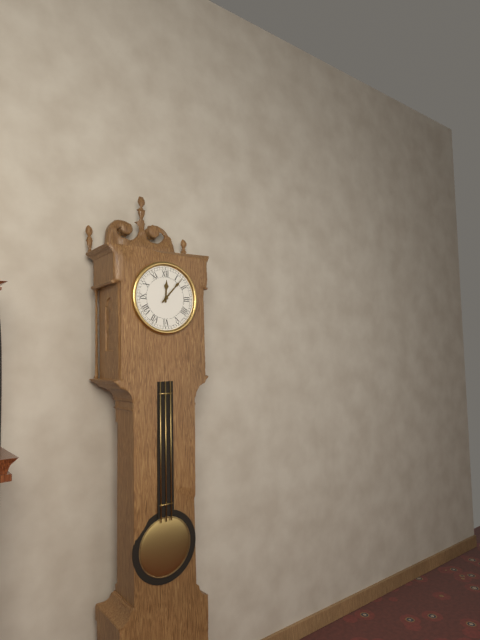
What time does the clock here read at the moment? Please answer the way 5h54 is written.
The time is 12h07
